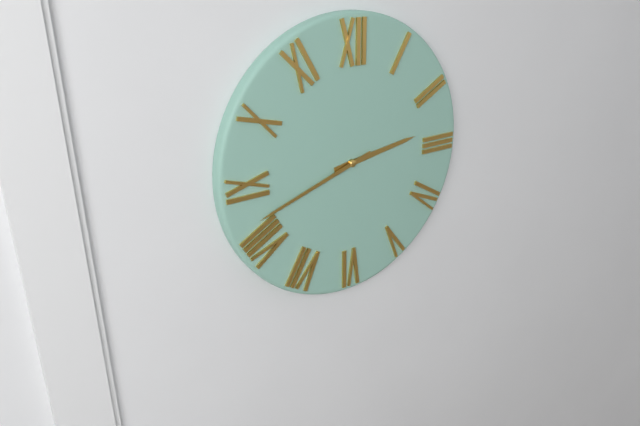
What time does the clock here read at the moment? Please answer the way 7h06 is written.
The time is 2h42
